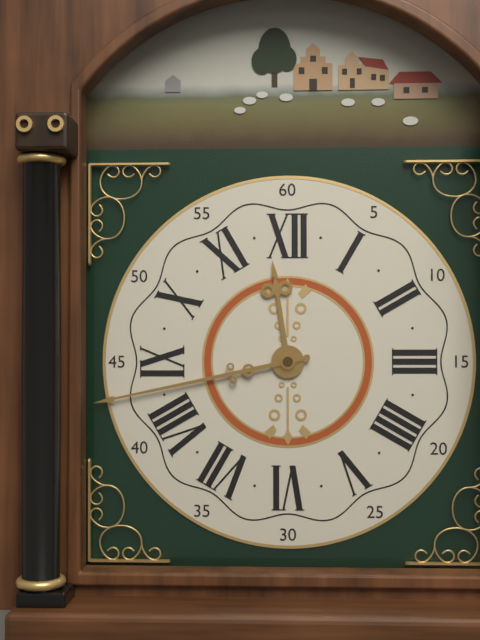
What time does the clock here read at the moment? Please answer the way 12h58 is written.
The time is 11h43
